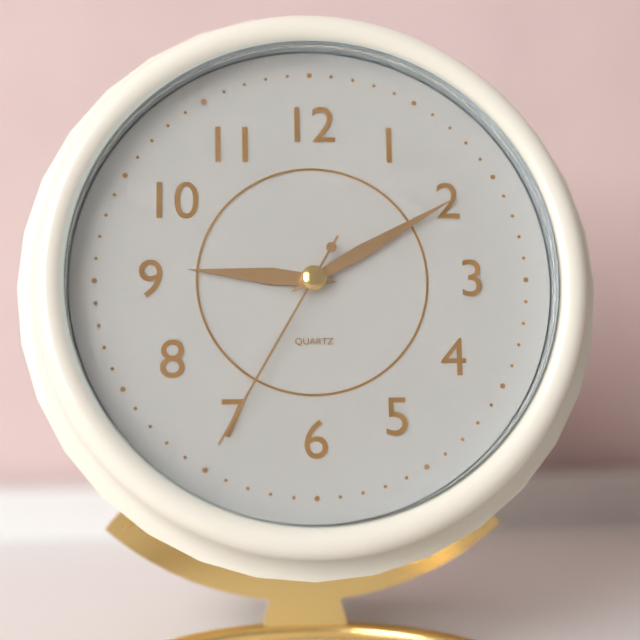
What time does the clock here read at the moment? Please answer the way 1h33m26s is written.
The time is 9h10m35s
